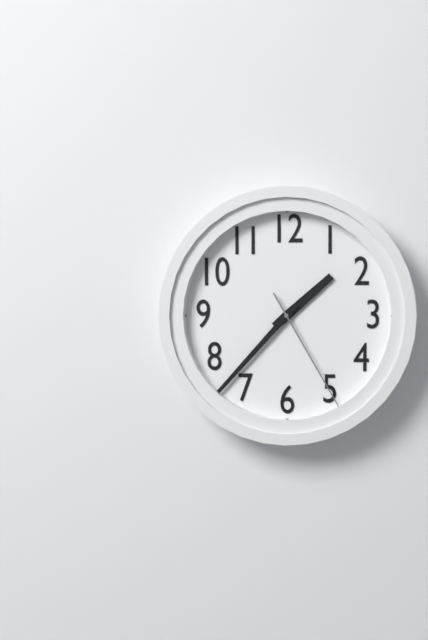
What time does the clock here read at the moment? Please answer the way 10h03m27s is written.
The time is 1h37m25s
